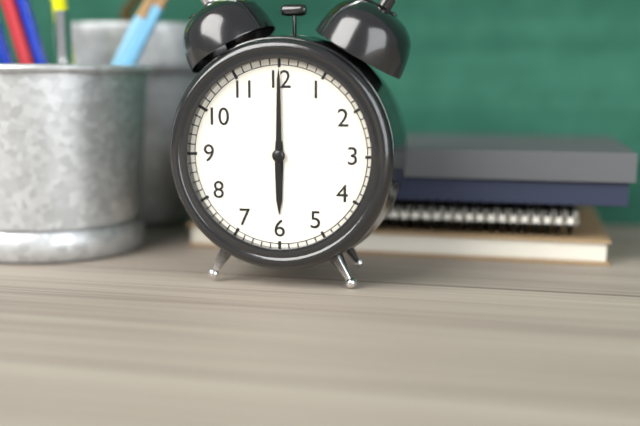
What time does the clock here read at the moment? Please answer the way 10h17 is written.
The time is 6h00
